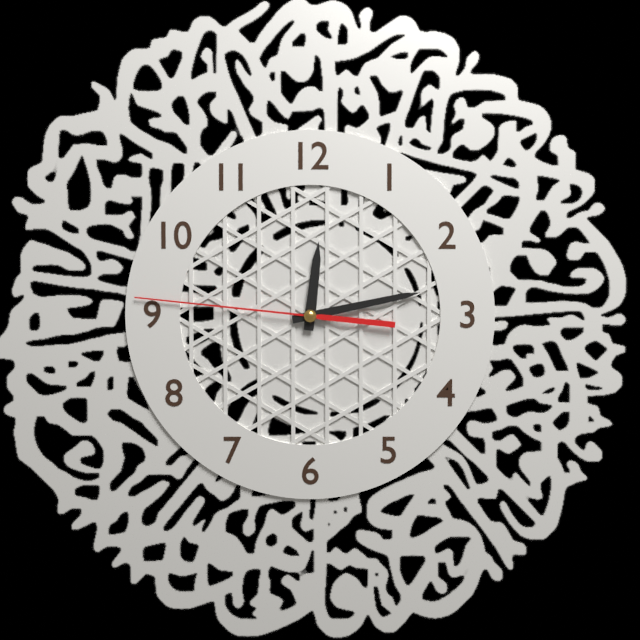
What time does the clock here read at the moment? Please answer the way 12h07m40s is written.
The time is 12h13m46s
